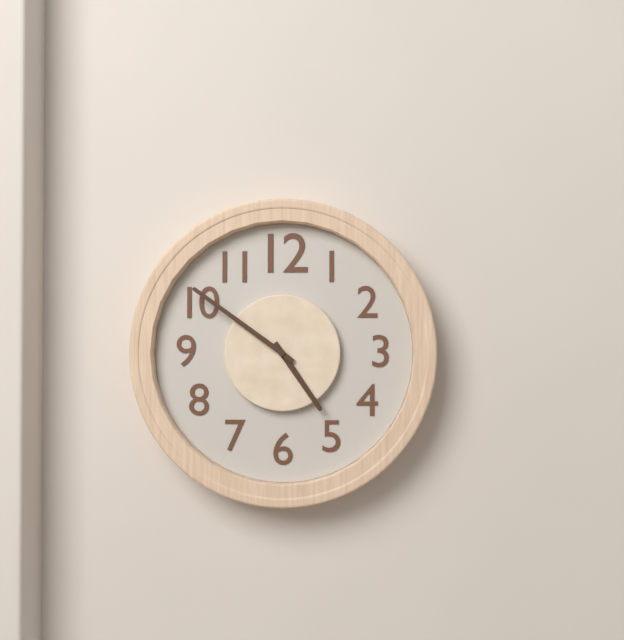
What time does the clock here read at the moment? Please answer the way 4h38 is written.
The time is 4h51
